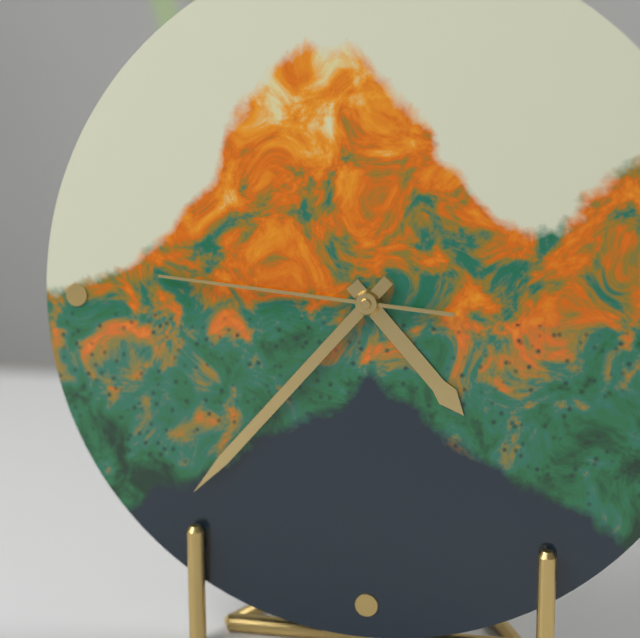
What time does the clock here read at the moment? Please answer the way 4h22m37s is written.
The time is 4h37m46s
